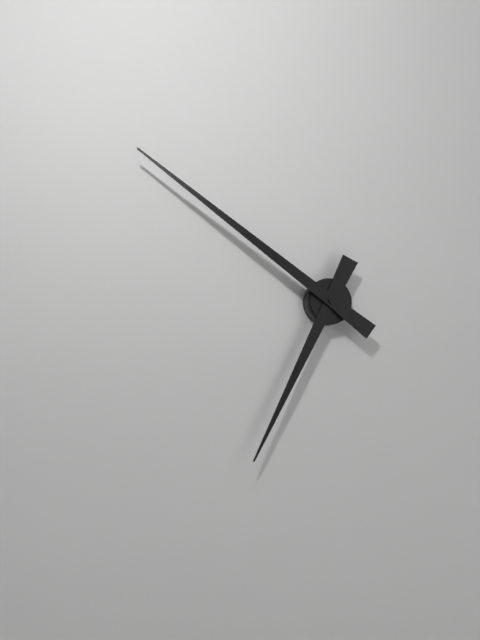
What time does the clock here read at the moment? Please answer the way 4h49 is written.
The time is 6h51
